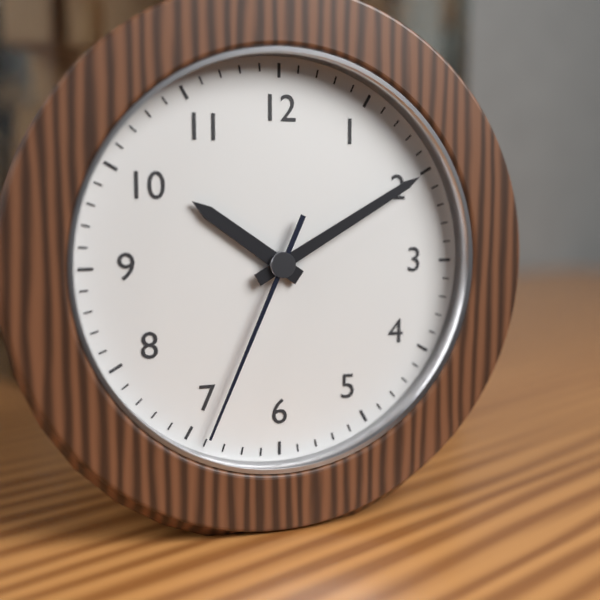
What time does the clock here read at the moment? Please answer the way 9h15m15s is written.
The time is 10h10m34s
